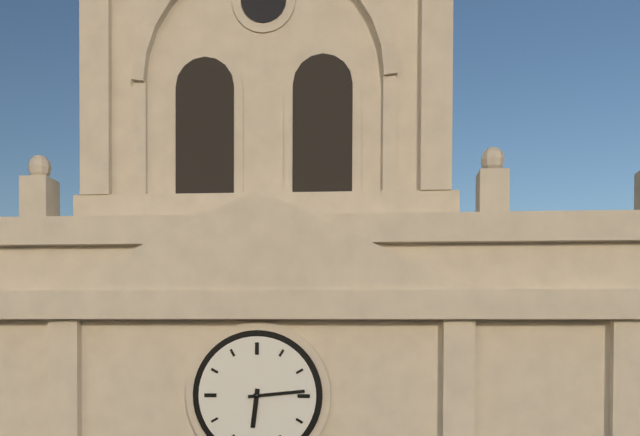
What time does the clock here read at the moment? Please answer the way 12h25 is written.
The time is 6h14
